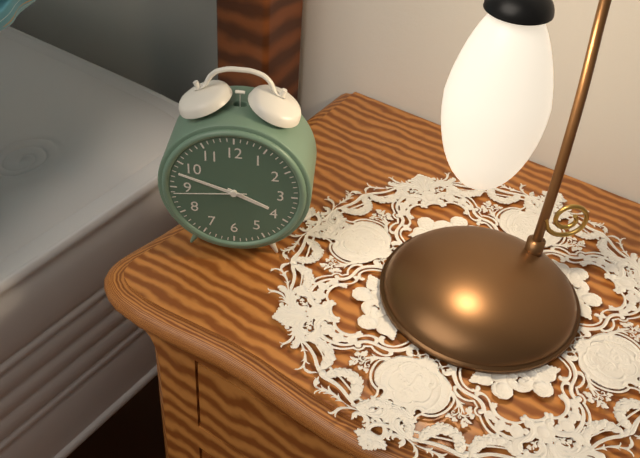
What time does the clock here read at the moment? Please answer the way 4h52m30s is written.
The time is 3h48m44s
